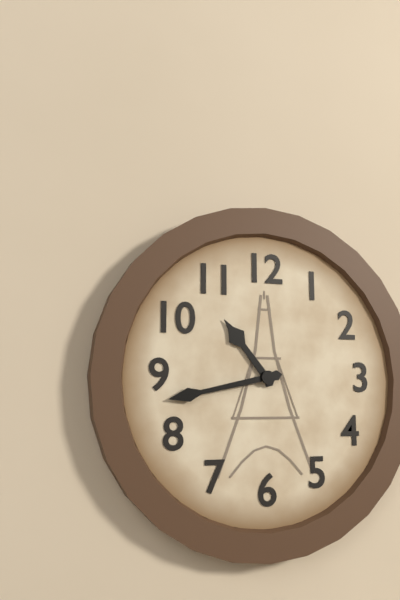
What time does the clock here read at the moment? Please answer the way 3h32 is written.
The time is 10h43
